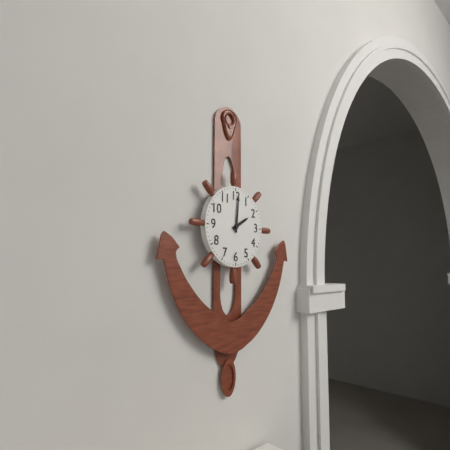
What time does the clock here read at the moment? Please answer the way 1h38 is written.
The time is 2h01
